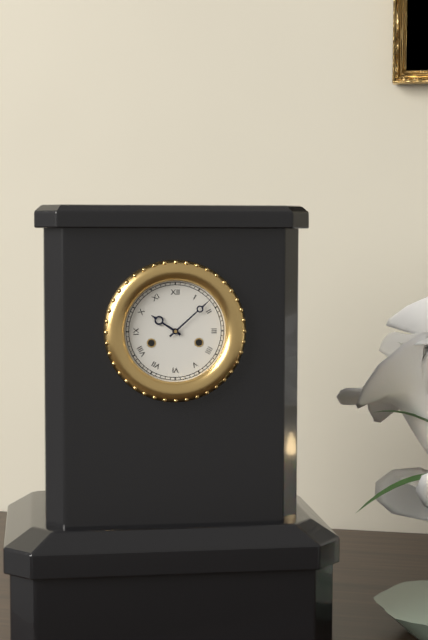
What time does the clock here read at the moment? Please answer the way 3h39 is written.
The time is 10h08
